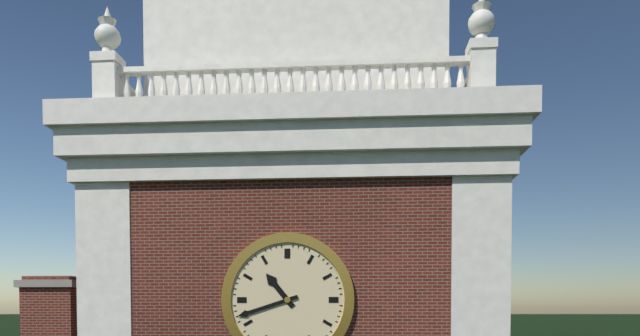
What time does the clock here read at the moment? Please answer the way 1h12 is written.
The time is 10h42
